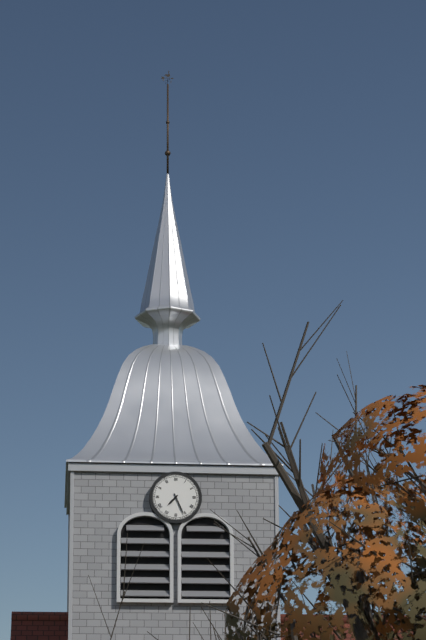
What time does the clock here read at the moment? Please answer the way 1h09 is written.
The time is 7h26
